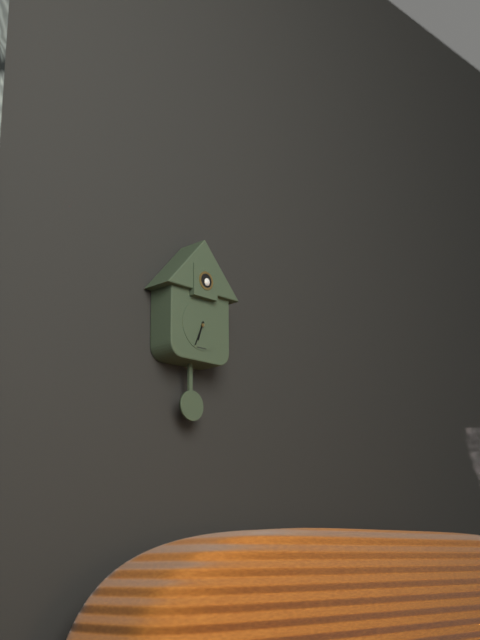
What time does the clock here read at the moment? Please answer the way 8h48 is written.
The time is 6h34
